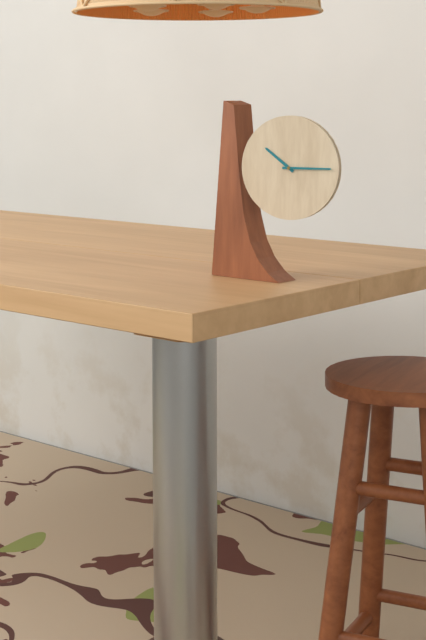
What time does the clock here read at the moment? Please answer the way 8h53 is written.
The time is 10h15
